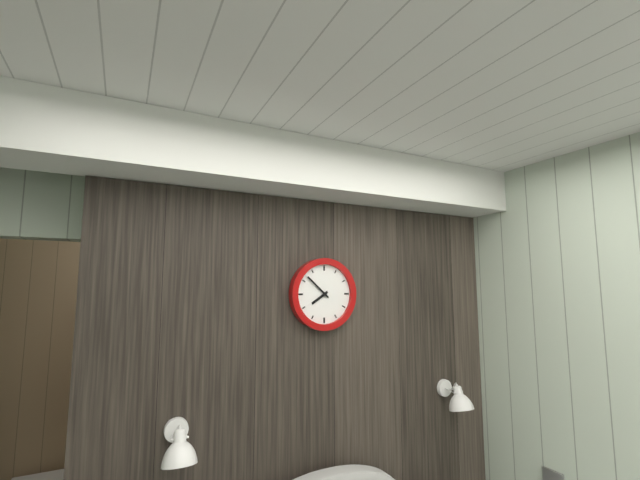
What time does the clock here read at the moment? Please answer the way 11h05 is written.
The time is 7h52
